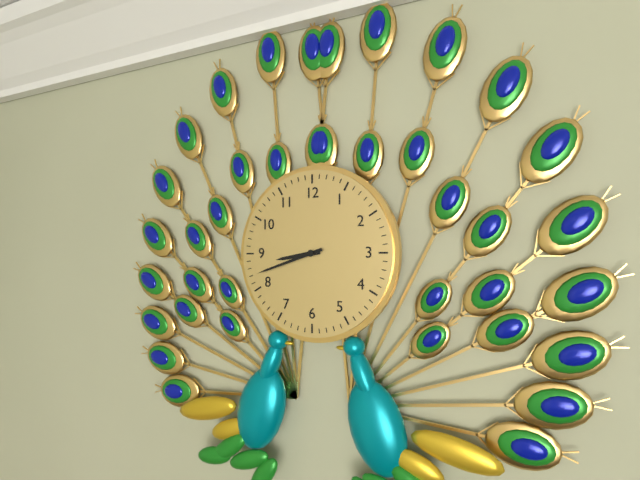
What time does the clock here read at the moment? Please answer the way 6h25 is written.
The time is 8h42
